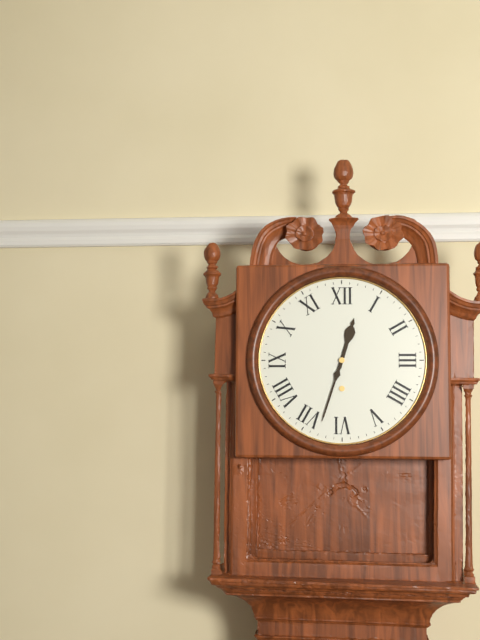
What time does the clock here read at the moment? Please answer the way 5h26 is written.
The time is 12h33
